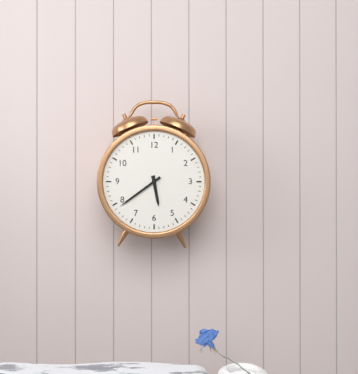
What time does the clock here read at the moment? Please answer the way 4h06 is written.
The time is 5h39
